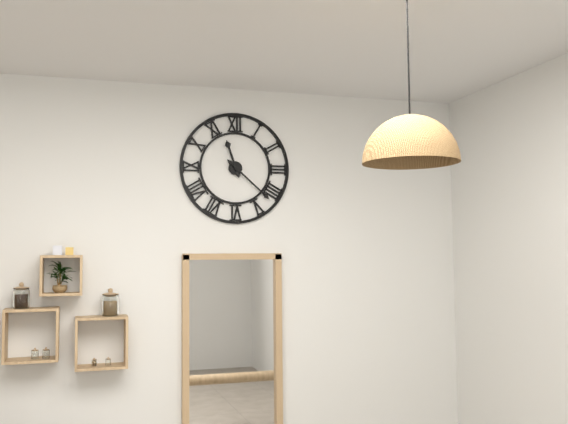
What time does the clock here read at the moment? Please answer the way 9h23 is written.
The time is 11h22
